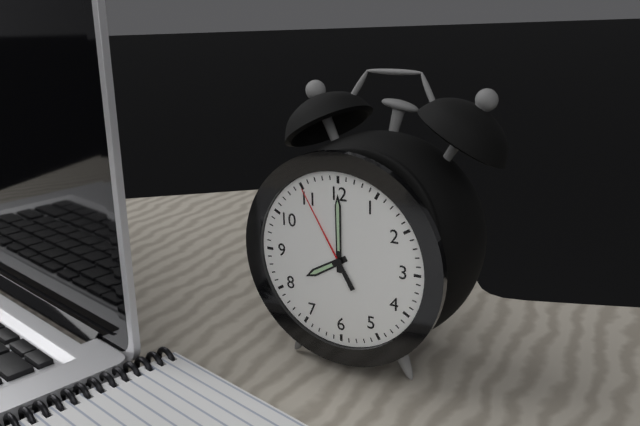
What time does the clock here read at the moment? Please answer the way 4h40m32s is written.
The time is 8h00m55s
